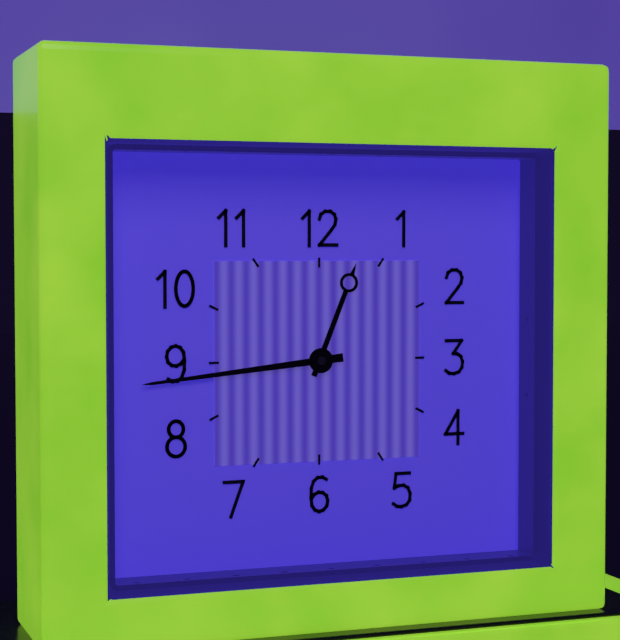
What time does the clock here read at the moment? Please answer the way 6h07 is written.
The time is 12h44
